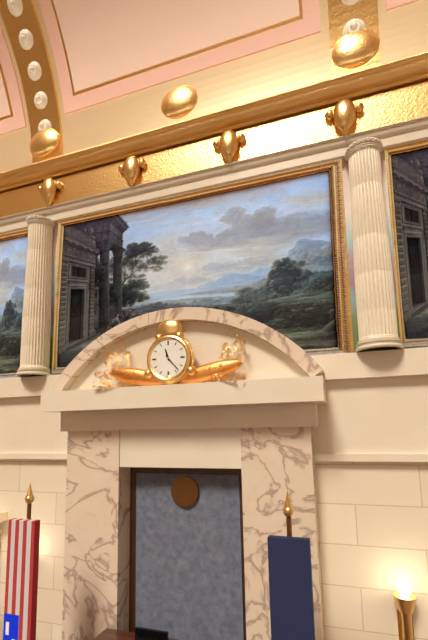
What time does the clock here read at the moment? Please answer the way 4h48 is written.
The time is 11h23
